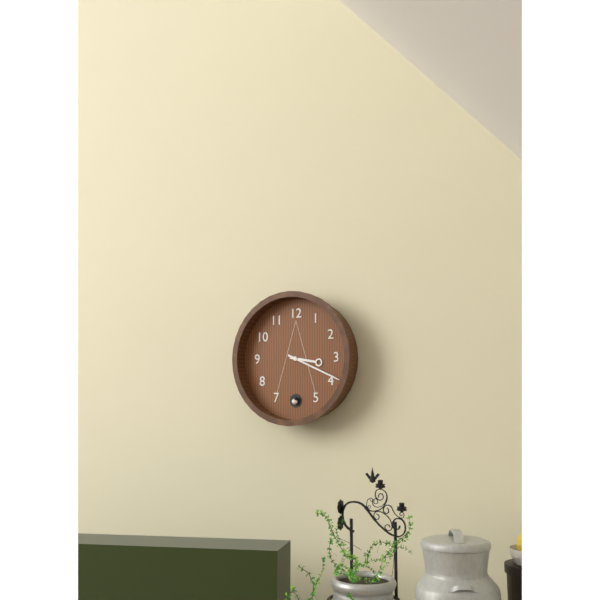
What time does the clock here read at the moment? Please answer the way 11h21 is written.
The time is 3h19
